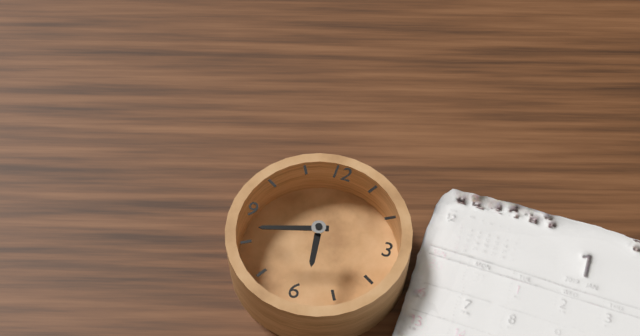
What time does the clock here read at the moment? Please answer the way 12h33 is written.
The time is 5h42
